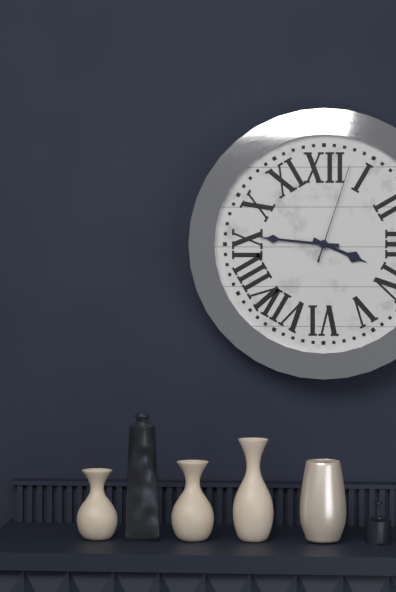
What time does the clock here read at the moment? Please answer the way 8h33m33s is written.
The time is 3h46m03s
